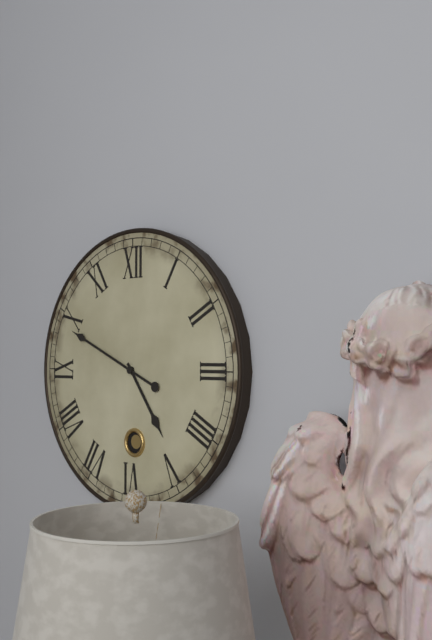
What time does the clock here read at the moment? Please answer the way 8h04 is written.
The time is 4h49
